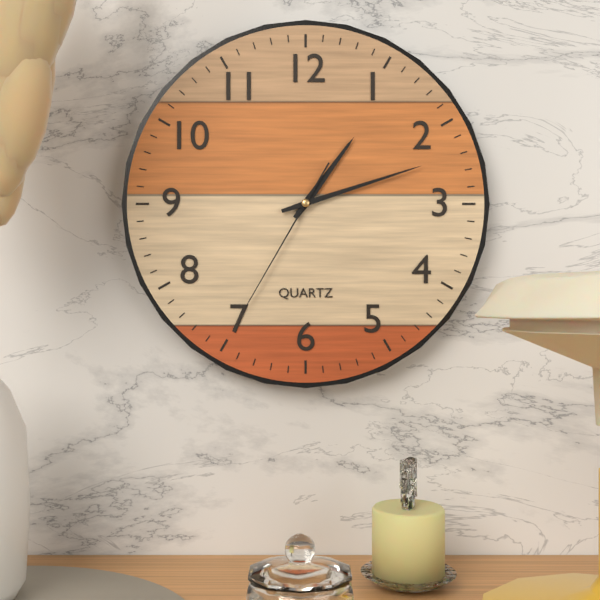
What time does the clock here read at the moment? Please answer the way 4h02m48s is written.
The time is 1h12m35s
